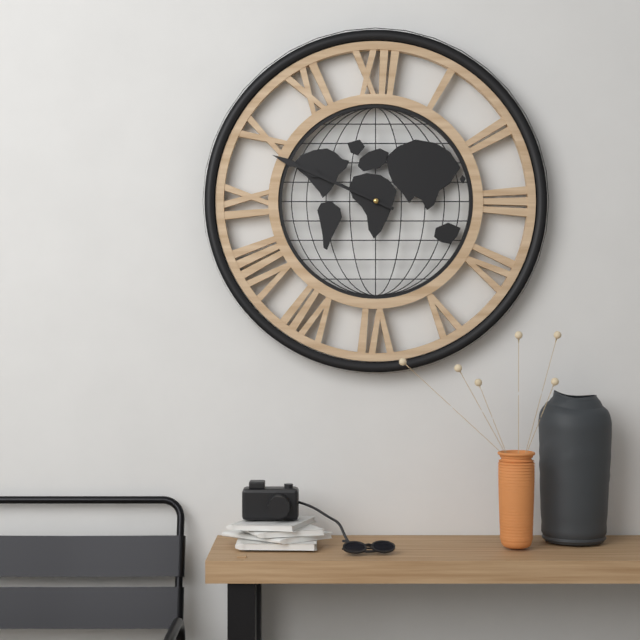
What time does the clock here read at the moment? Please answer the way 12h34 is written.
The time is 9h49
